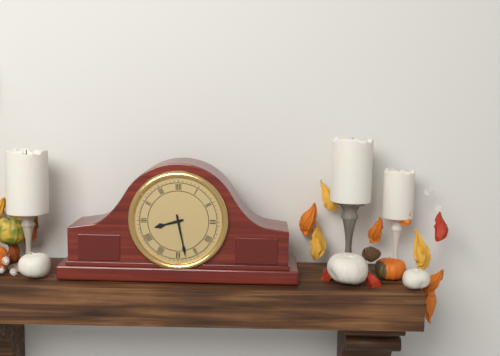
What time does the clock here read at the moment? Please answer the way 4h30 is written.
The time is 8h28
